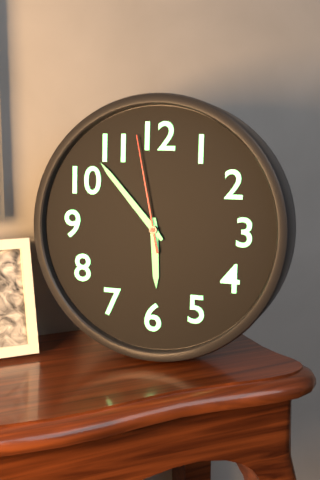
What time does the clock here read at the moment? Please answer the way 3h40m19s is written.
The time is 5h53m58s
